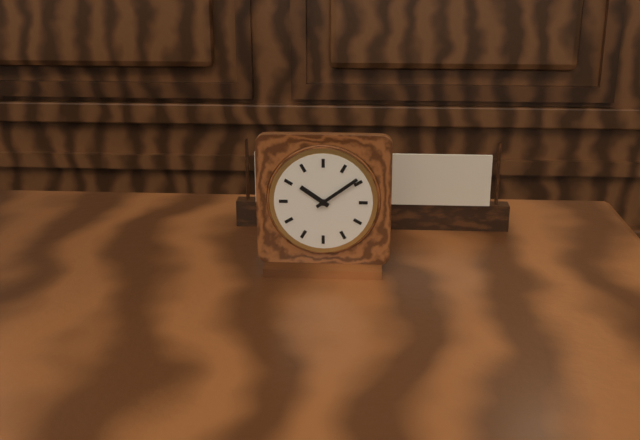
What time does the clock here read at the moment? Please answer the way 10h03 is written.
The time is 10h09
